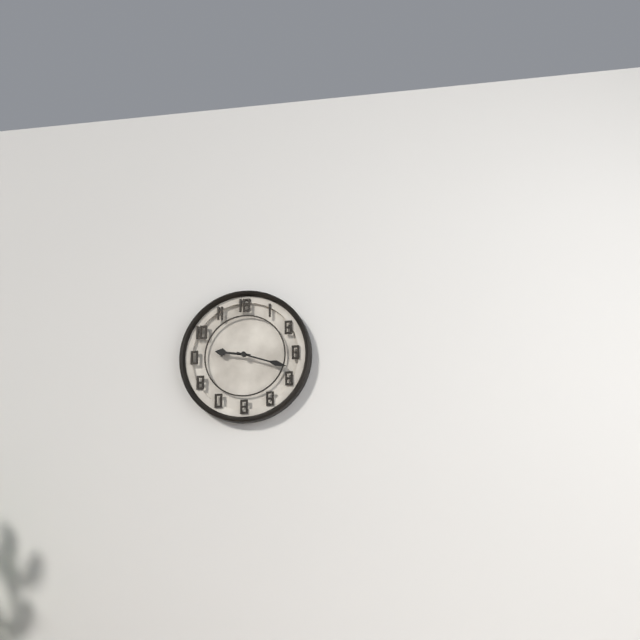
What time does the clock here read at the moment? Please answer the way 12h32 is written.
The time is 9h18
